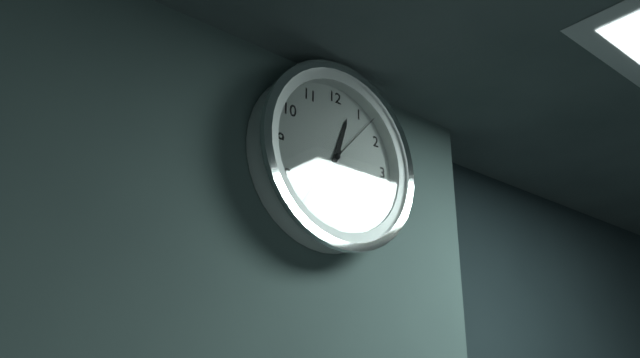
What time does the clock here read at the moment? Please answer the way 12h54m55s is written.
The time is 12h36m07s
